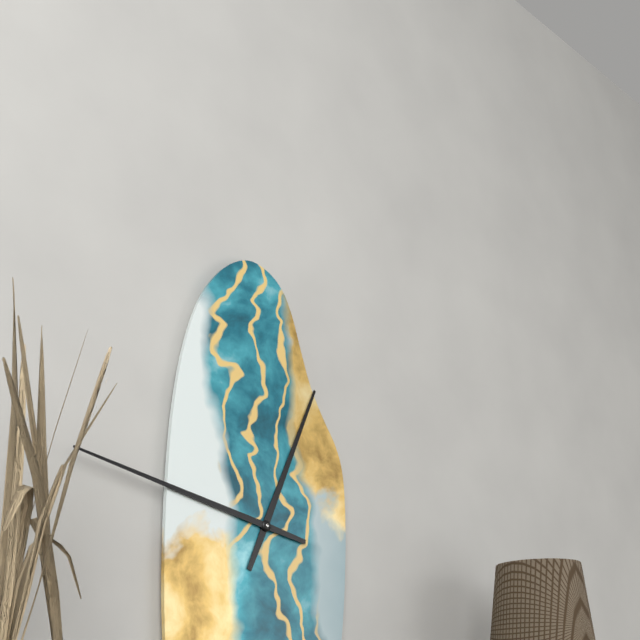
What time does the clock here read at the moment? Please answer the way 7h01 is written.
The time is 12h47
